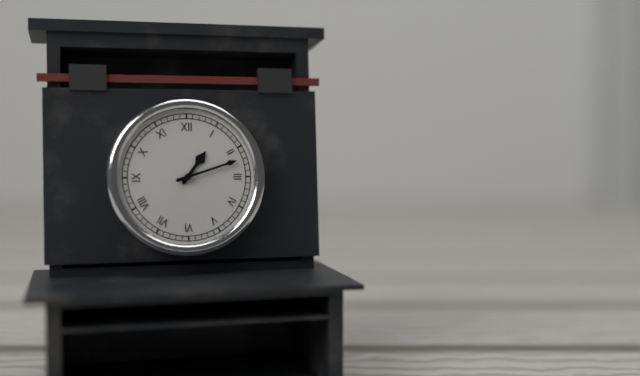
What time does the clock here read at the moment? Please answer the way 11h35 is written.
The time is 1h12
